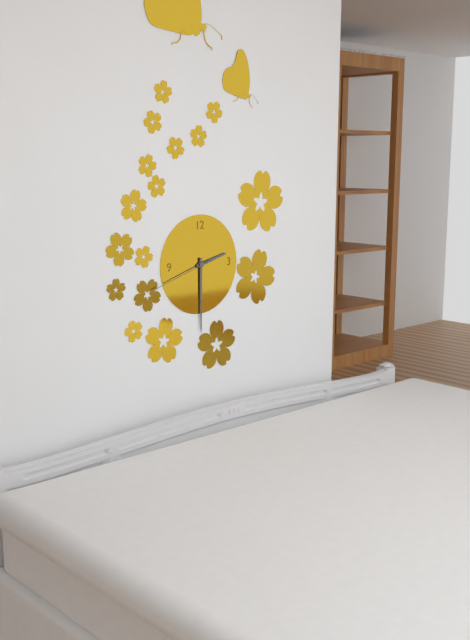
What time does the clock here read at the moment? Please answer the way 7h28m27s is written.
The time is 2h30m42s
